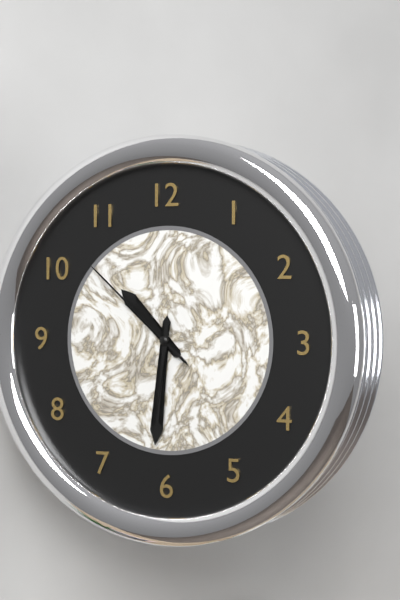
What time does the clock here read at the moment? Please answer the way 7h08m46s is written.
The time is 10h31m52s
